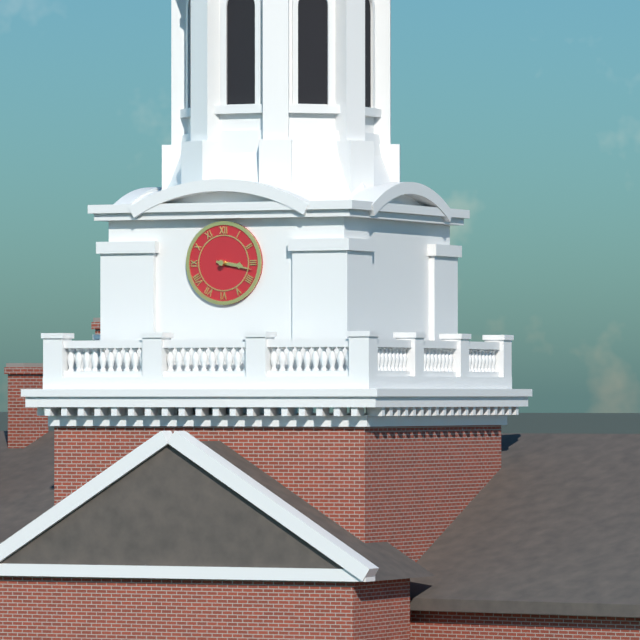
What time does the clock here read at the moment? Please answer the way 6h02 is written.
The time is 3h17
